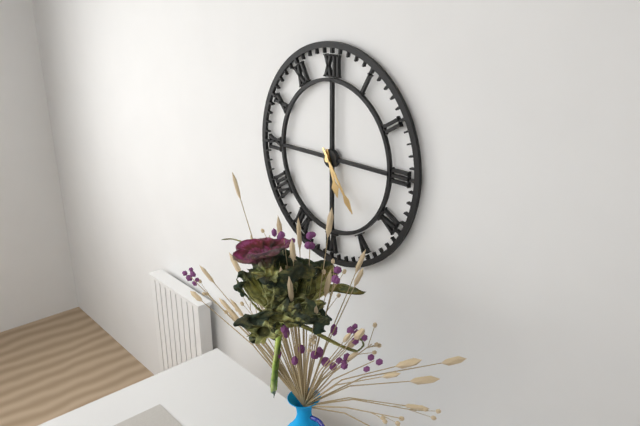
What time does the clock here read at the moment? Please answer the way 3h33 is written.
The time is 5h24
